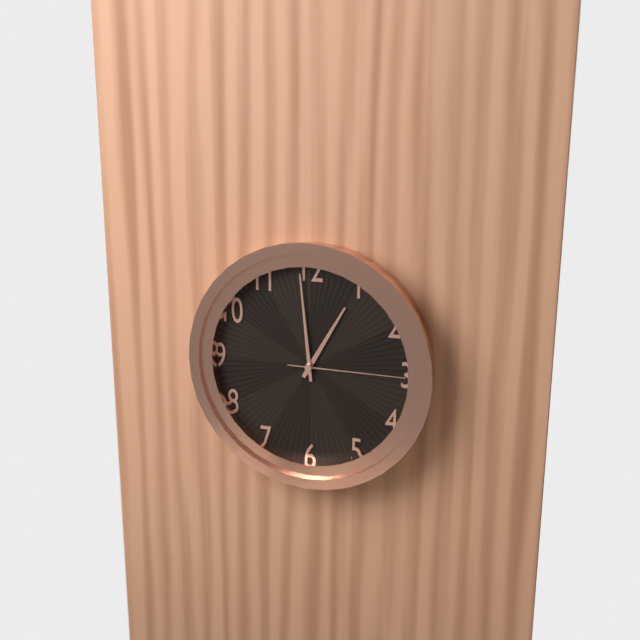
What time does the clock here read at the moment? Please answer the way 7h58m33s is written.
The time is 12h59m15s
